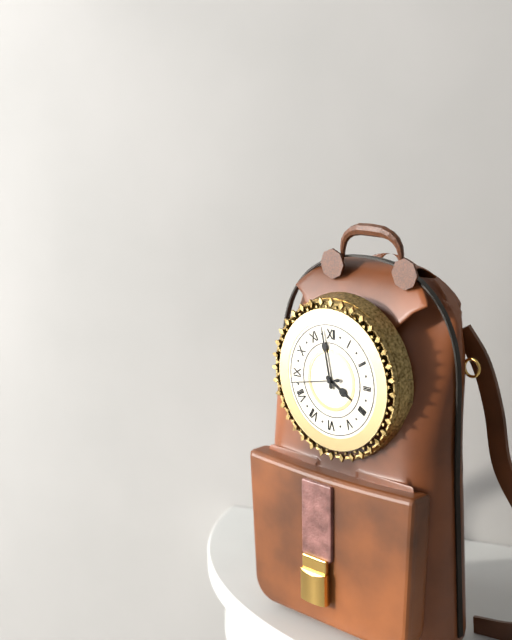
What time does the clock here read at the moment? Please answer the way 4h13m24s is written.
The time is 3h58m43s
